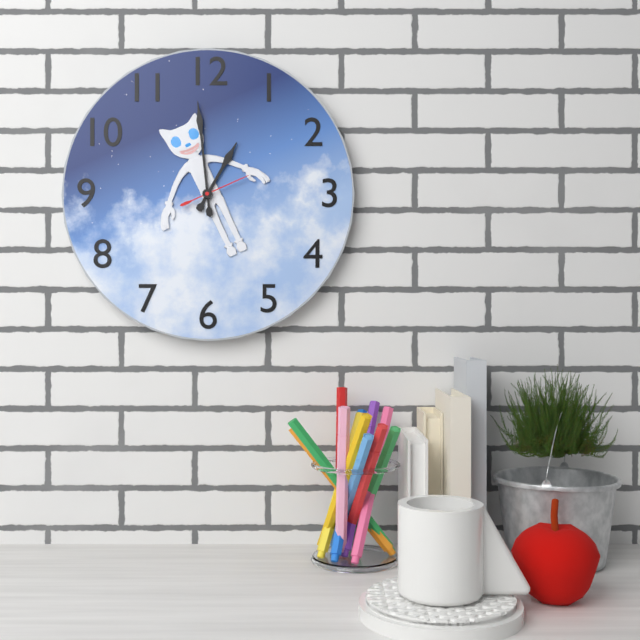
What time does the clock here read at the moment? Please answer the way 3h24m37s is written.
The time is 12h59m11s
